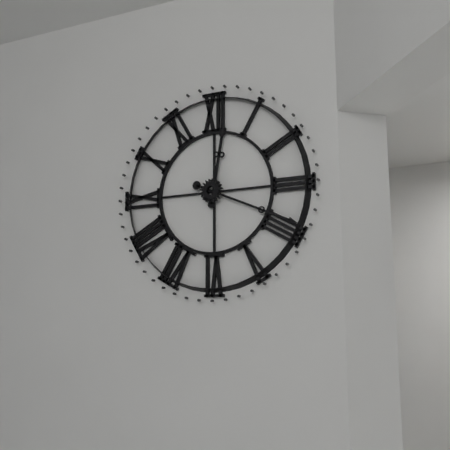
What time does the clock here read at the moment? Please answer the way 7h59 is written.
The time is 12h19
